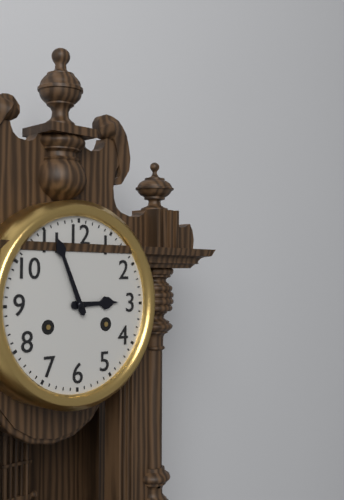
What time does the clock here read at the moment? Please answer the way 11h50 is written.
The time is 2h56
